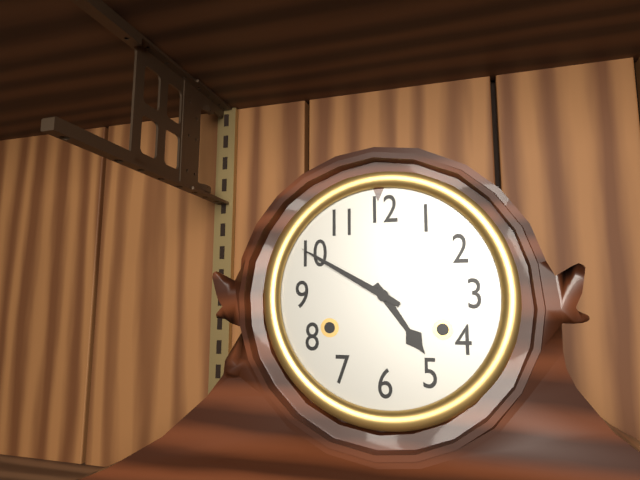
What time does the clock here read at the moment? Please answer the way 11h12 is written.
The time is 4h50
